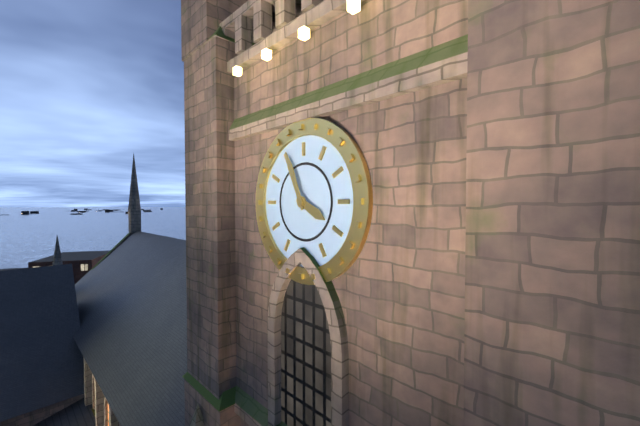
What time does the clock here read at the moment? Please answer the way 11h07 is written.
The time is 3h56
